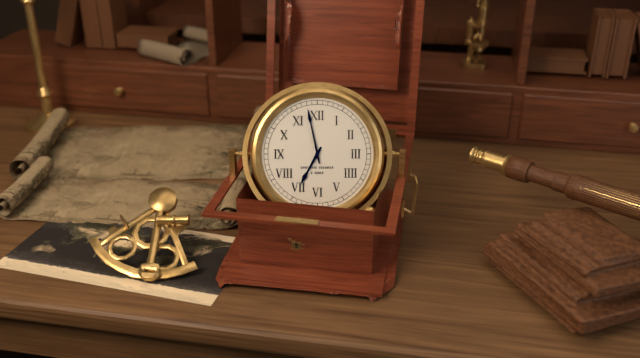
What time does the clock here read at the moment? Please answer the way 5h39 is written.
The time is 6h58
